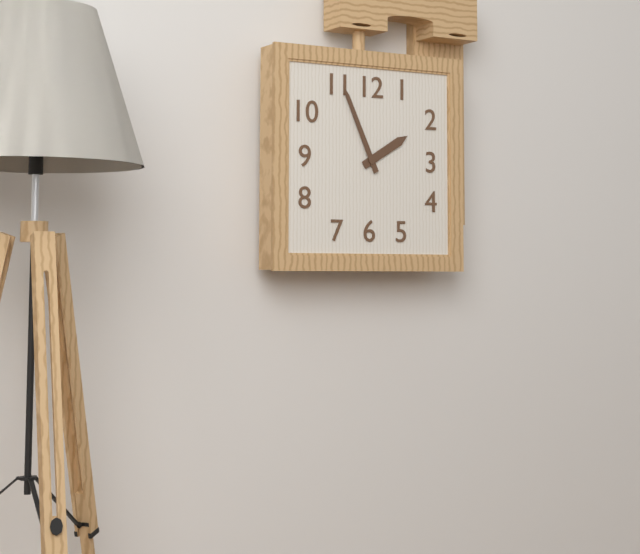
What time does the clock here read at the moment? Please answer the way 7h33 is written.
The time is 1h56
